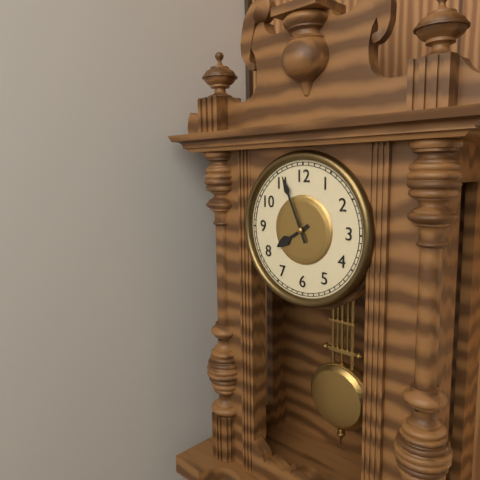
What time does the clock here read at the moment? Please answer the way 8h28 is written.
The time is 7h56
